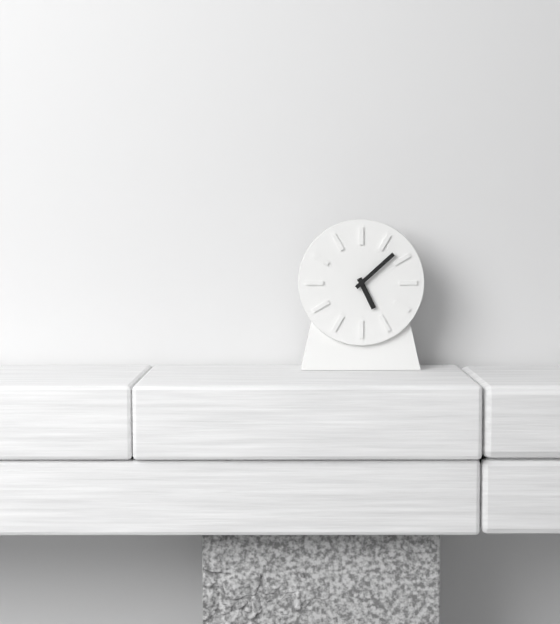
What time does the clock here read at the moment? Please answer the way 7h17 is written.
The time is 5h08
